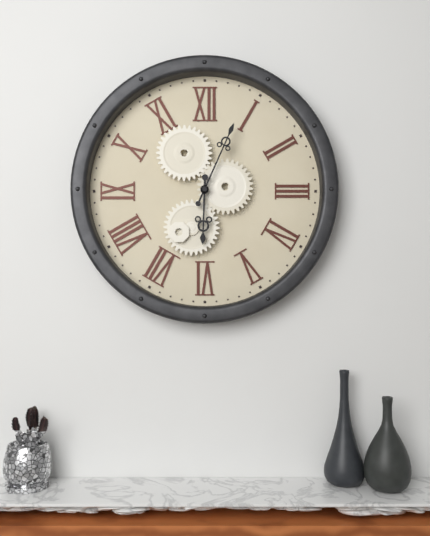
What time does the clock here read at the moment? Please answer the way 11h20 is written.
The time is 6h04
